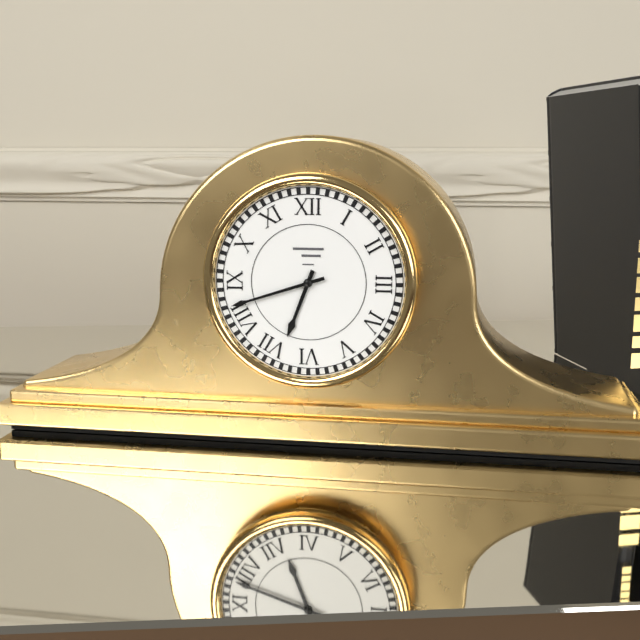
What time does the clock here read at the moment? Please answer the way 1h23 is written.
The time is 6h42
